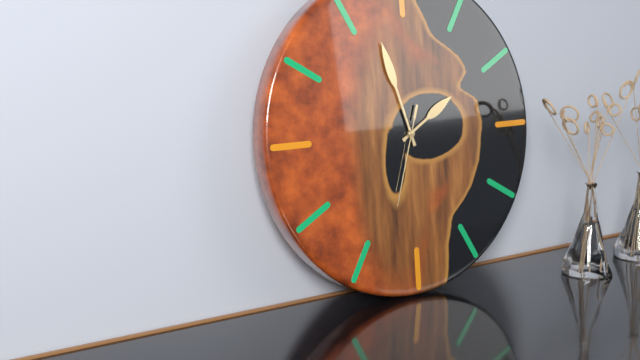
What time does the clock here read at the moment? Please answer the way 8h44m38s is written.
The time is 1h57m33s
